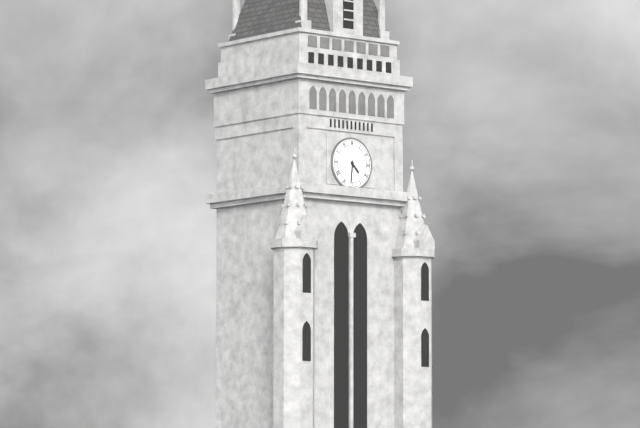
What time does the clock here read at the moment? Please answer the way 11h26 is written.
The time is 4h31
